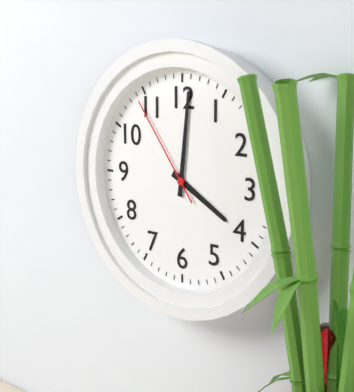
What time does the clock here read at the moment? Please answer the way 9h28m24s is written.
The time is 4h01m54s
